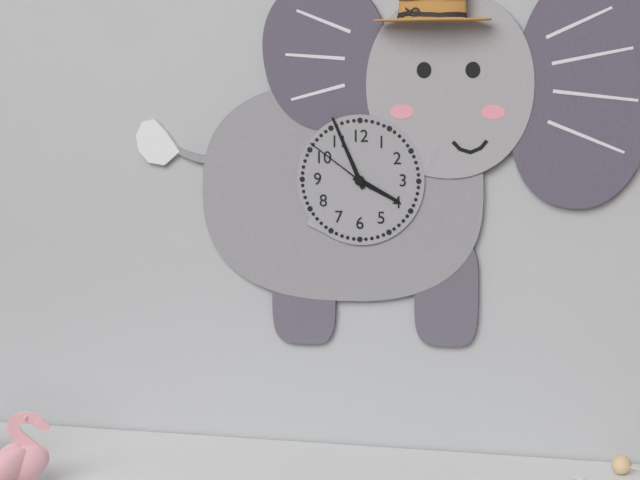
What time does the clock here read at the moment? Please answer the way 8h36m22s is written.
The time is 3h56m51s
